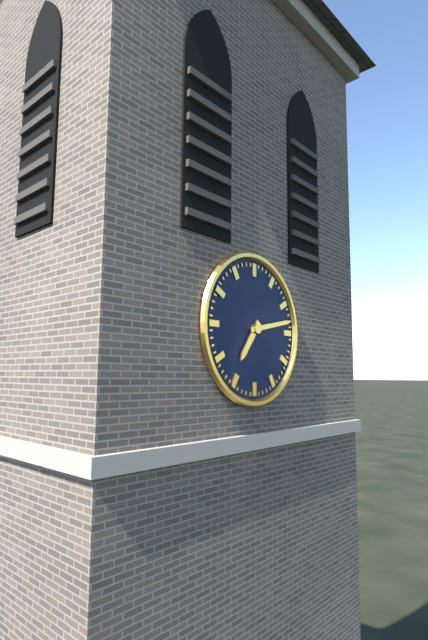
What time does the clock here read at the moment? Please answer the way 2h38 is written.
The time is 7h13
